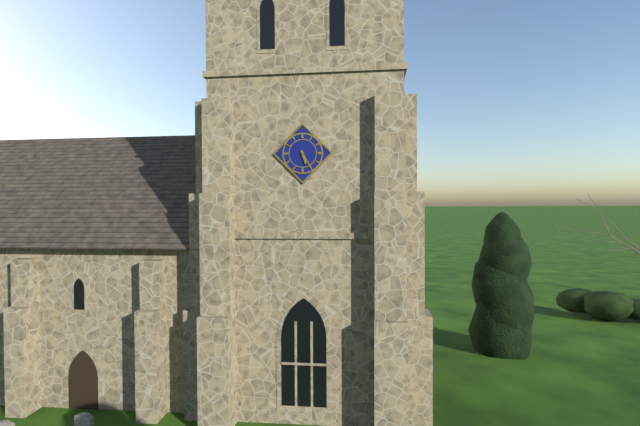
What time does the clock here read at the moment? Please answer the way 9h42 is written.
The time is 5h25
